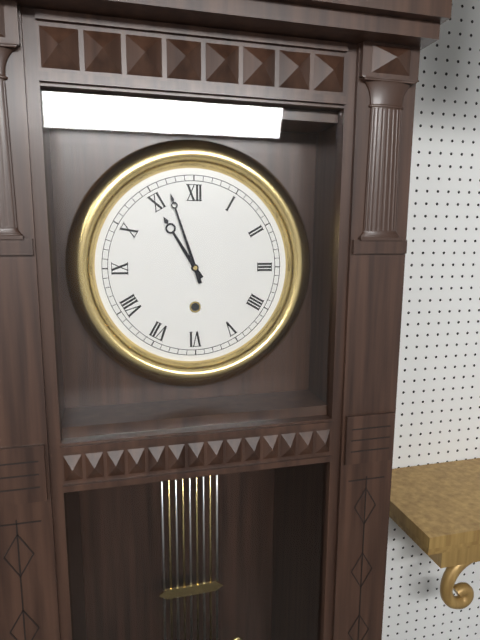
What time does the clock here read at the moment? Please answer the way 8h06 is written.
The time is 10h57
